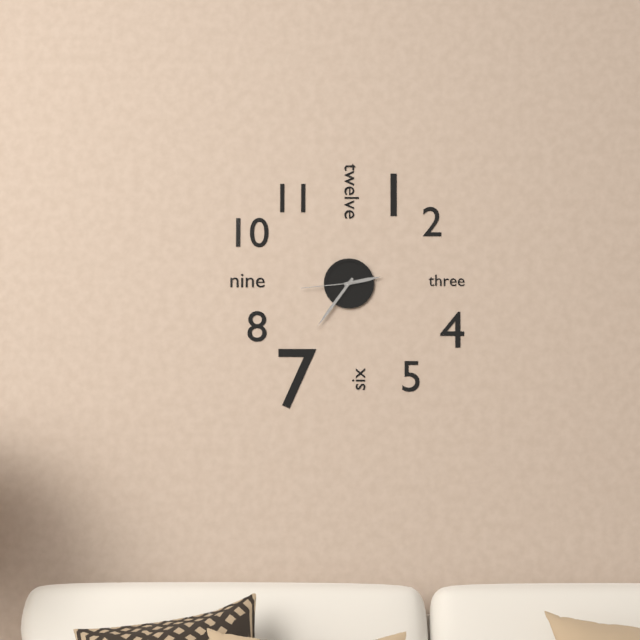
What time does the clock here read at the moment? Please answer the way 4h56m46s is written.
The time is 2h36m44s
